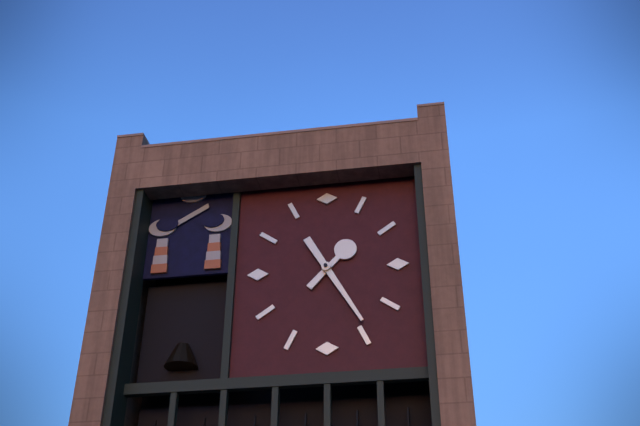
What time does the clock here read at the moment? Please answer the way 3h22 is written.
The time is 1h25
